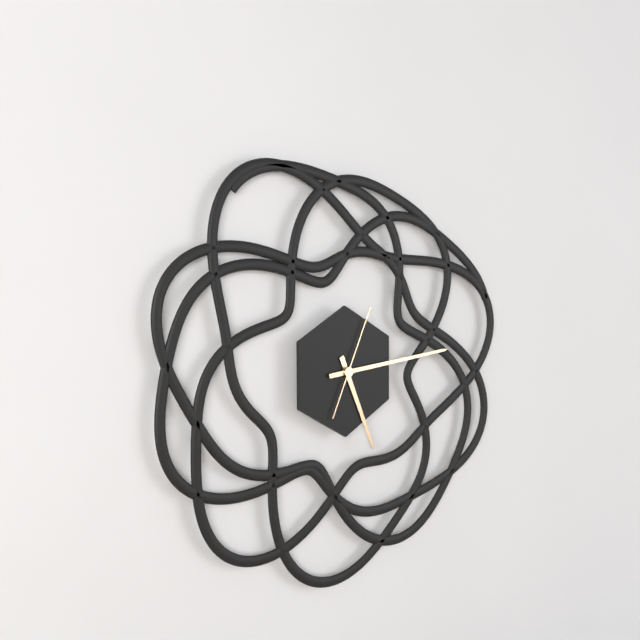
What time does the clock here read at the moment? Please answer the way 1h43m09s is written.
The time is 5h14m04s
